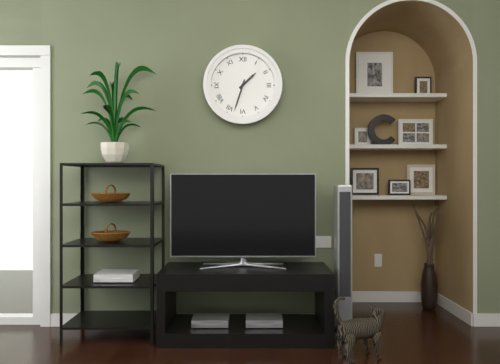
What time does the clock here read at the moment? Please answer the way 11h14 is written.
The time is 1h33
